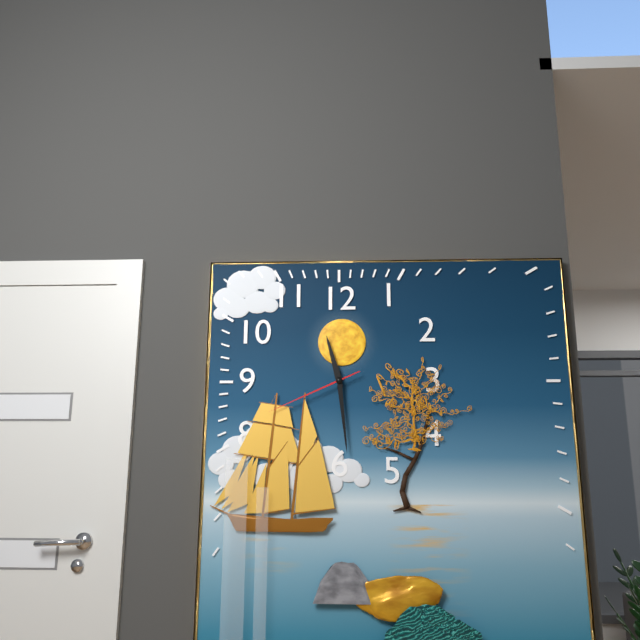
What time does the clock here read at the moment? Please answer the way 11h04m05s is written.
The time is 11h29m41s
